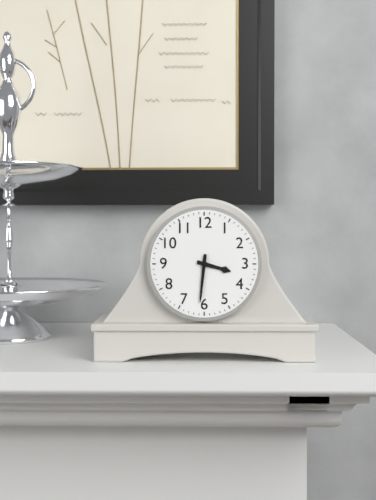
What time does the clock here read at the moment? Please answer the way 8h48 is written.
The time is 3h31
